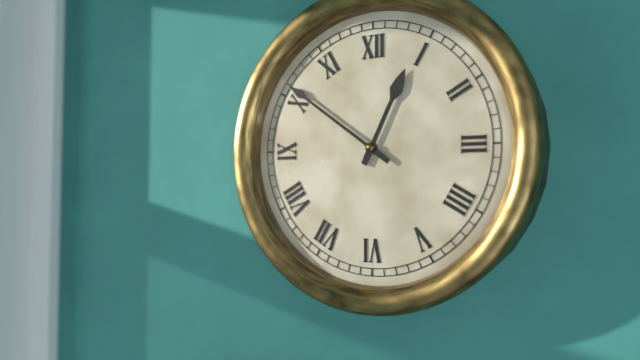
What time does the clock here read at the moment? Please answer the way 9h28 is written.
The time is 12h51
